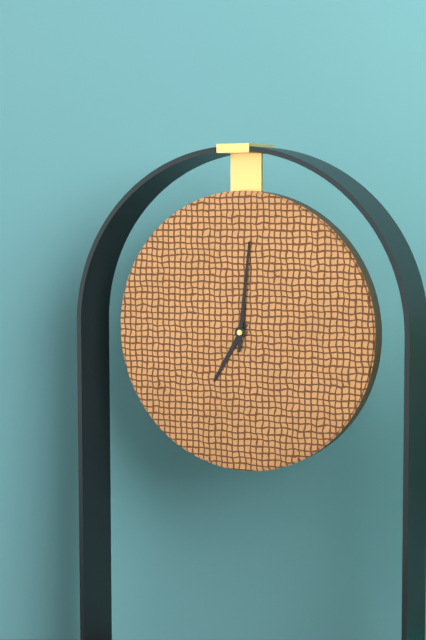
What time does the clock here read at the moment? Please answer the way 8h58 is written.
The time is 7h01
